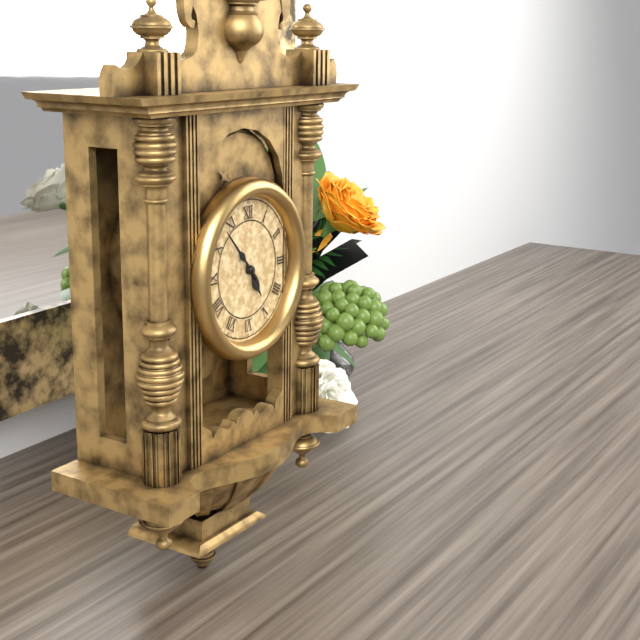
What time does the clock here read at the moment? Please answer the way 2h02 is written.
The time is 4h53
